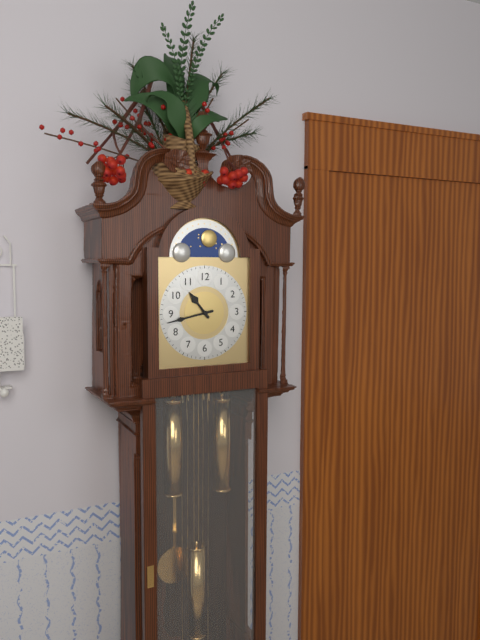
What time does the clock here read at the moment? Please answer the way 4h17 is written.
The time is 10h43
